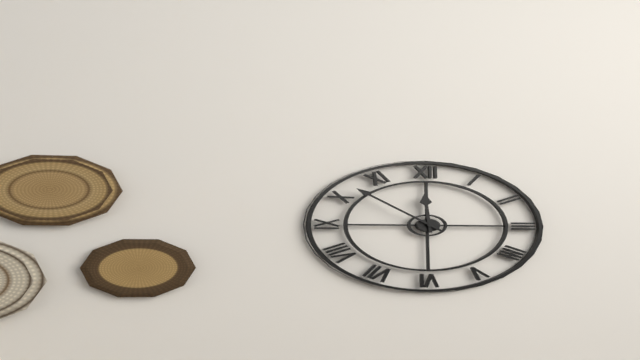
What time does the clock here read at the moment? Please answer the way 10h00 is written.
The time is 11h52
